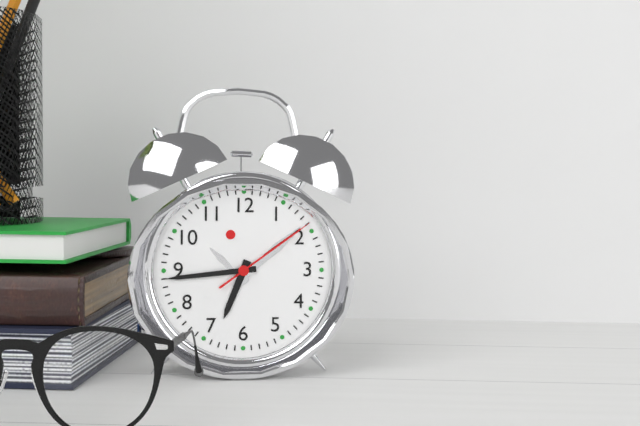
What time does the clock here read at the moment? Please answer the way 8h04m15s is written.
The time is 6h44m09s
